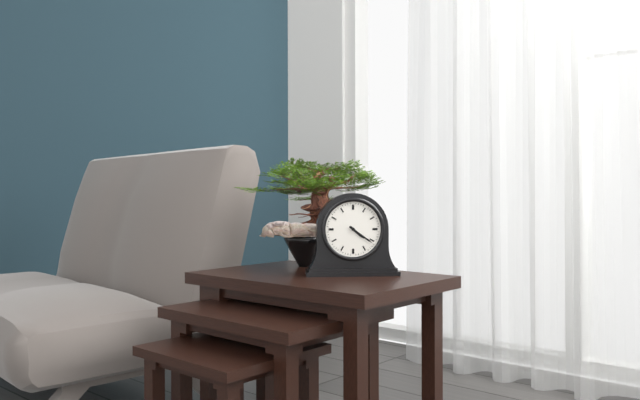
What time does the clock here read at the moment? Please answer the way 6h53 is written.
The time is 4h21
